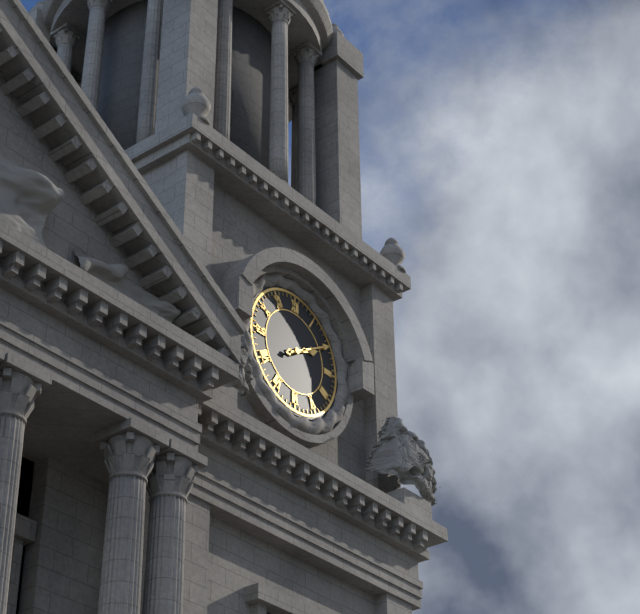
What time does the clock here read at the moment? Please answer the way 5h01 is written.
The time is 2h10
